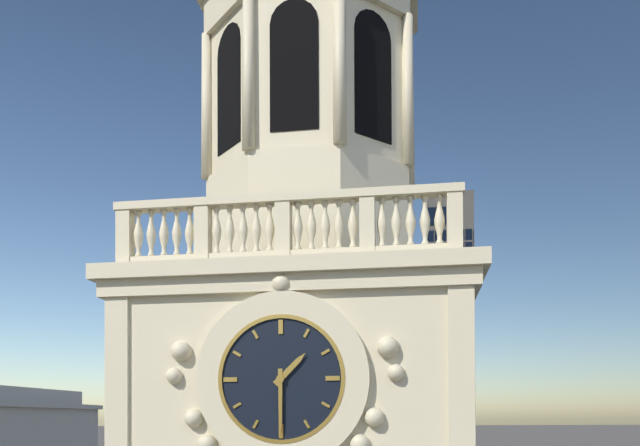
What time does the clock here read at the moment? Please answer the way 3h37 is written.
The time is 1h30
